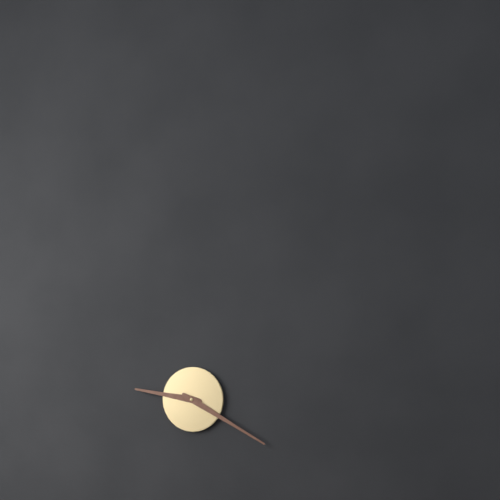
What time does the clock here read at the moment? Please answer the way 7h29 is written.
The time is 9h20
